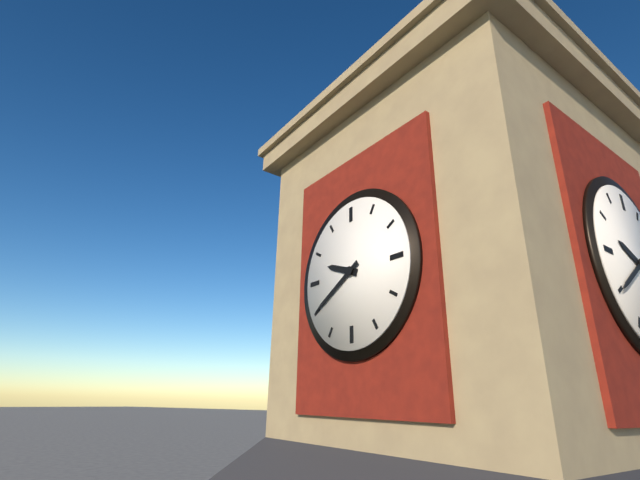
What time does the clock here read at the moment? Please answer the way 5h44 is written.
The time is 9h40
